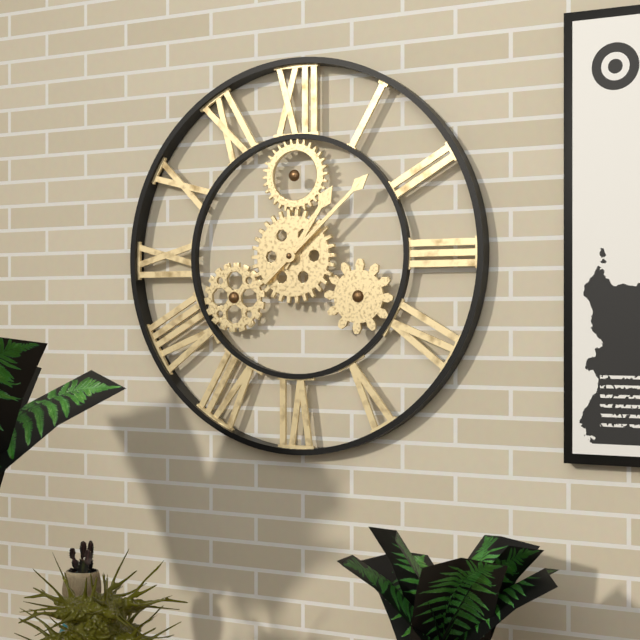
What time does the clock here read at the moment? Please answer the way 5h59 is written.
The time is 1h08
